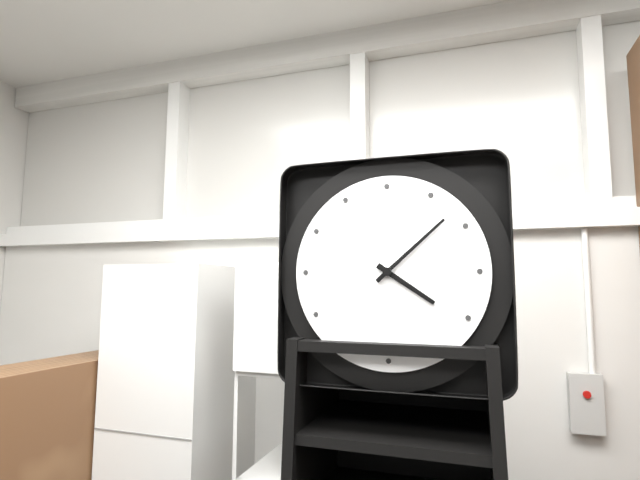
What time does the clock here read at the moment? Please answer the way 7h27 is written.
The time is 4h08
